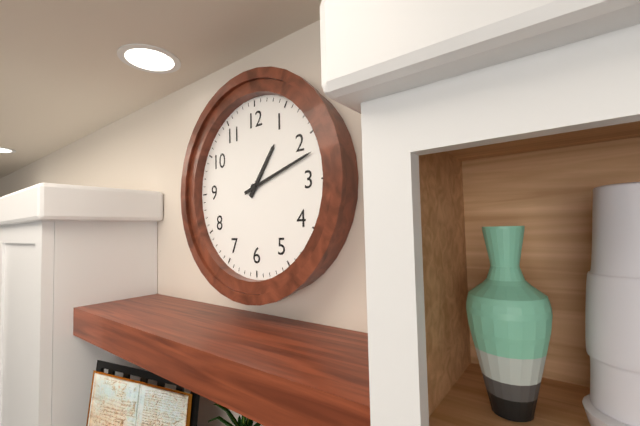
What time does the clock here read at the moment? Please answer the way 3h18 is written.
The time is 1h12
